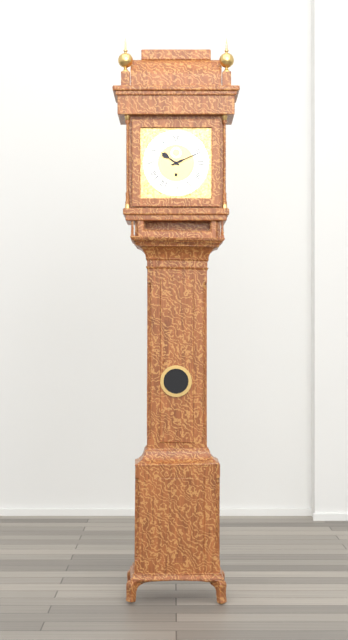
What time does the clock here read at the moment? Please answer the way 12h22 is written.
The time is 10h11
